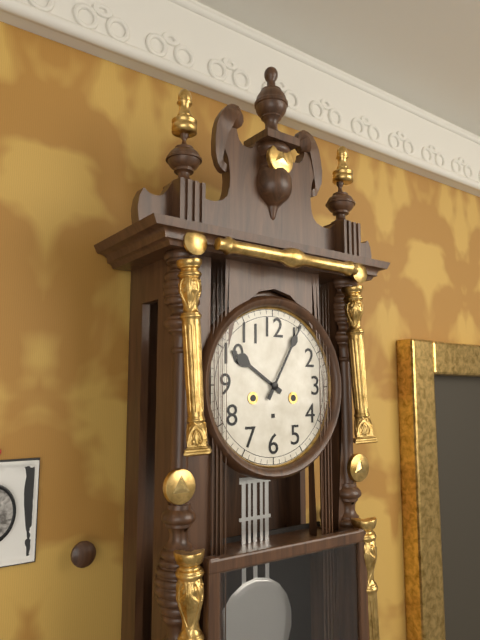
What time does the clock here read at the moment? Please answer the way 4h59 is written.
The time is 10h05
